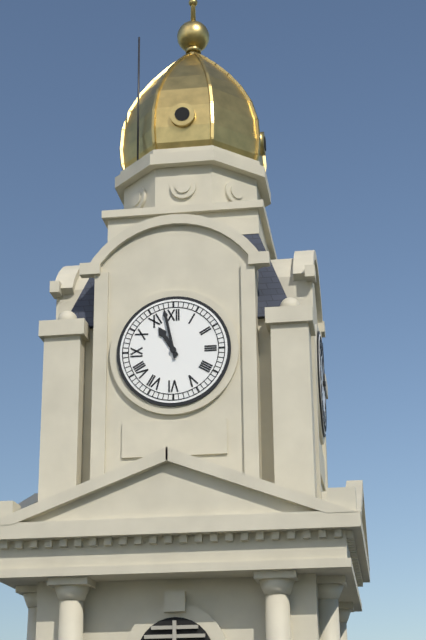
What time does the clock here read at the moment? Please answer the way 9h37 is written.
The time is 10h58
